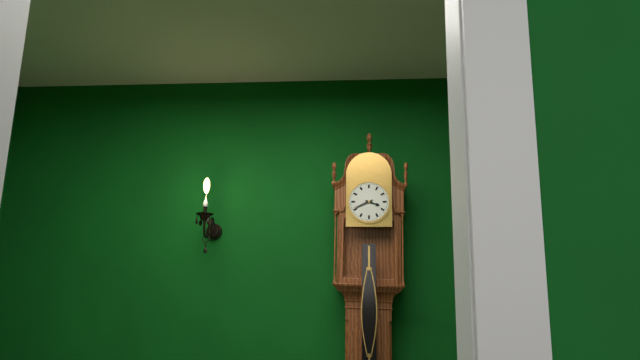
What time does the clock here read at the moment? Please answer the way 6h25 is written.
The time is 3h41
